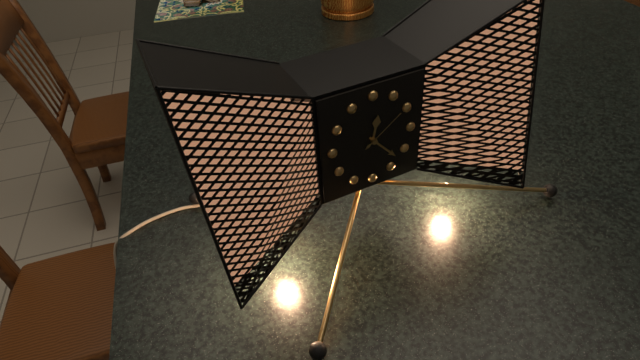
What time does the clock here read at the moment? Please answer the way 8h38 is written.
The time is 12h23
